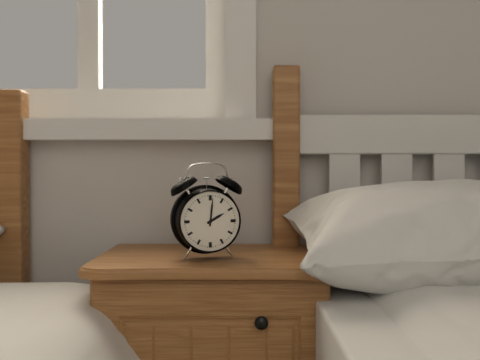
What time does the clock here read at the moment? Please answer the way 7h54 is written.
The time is 2h01
